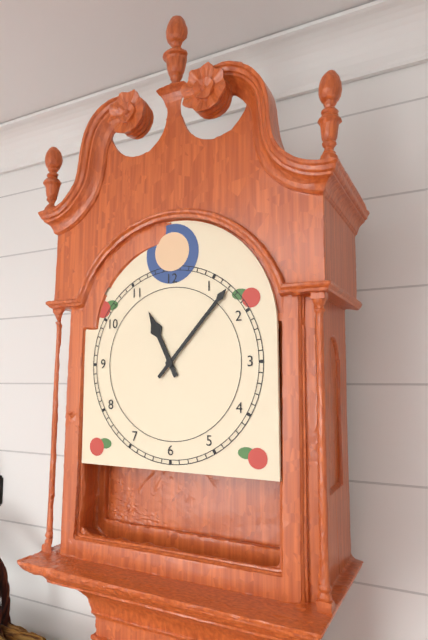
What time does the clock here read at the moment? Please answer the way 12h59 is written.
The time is 11h07
